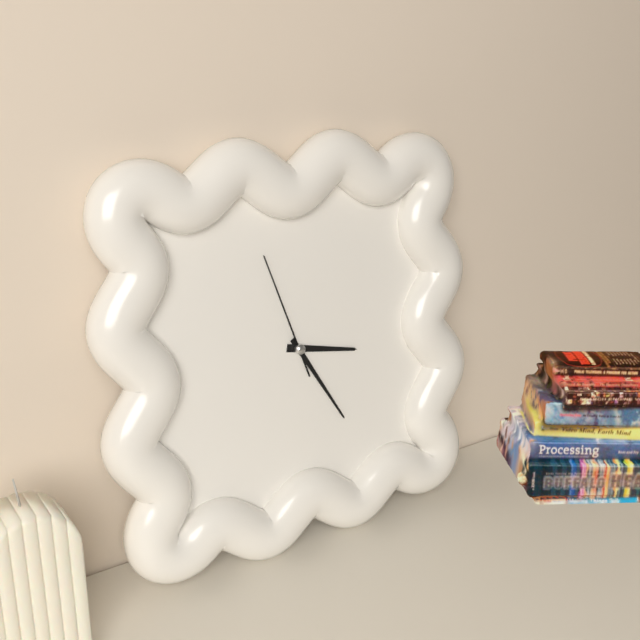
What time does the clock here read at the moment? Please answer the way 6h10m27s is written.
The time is 3h25m57s
